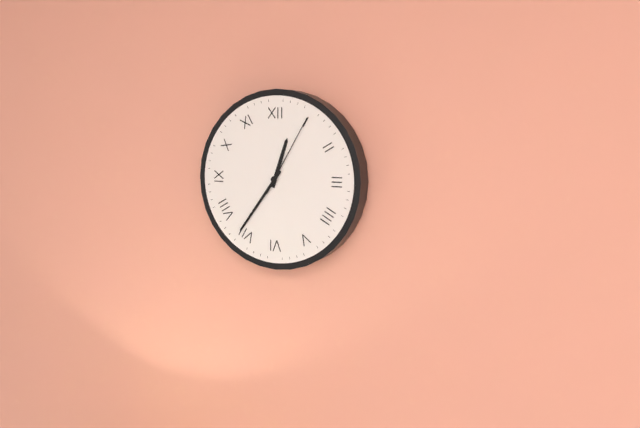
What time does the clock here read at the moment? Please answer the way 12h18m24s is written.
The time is 12h36m05s
